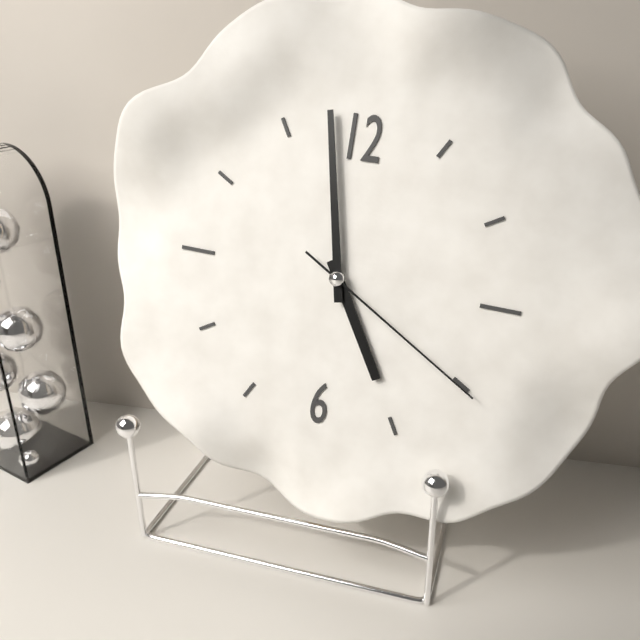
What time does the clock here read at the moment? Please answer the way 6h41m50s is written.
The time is 4h58m20s
